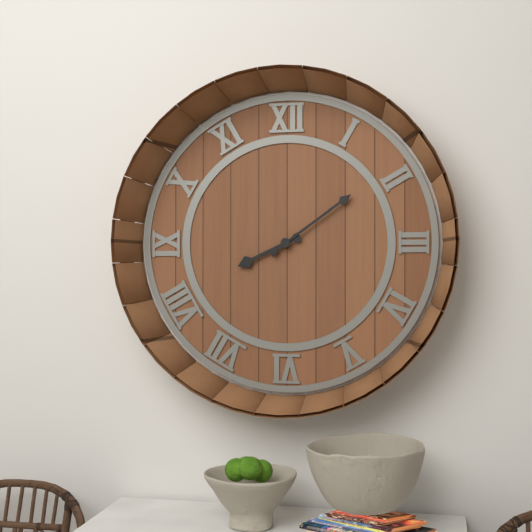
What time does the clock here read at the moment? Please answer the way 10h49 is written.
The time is 8h09
